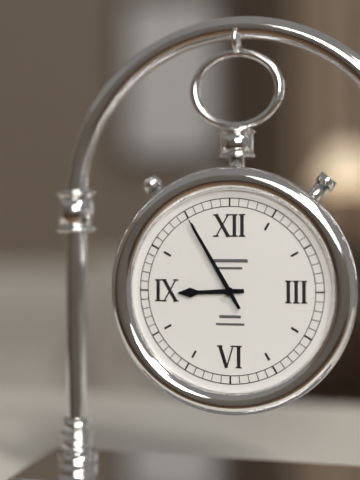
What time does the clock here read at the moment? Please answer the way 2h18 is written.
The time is 8h55
